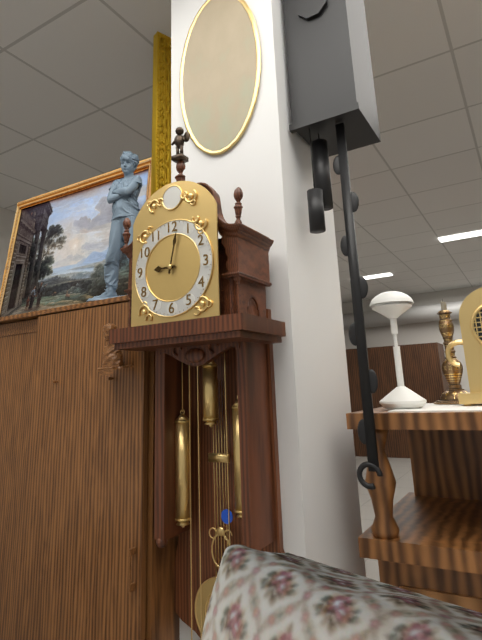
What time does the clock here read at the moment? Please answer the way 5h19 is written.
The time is 9h02
